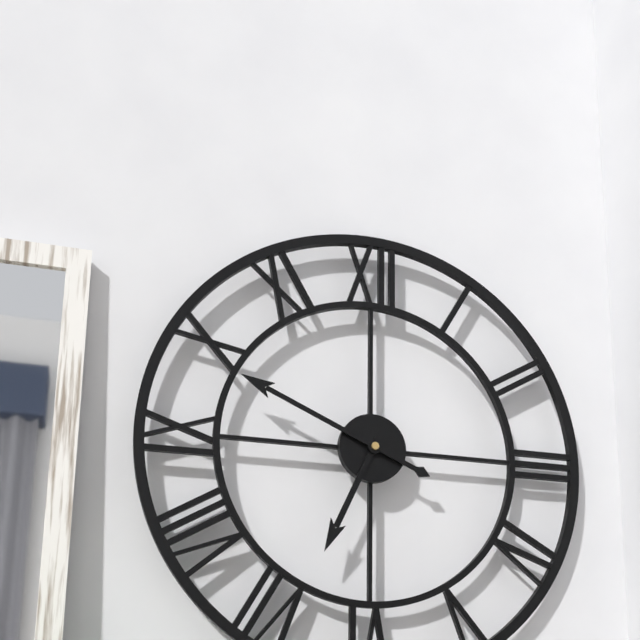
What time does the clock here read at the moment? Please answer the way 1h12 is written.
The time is 6h49
